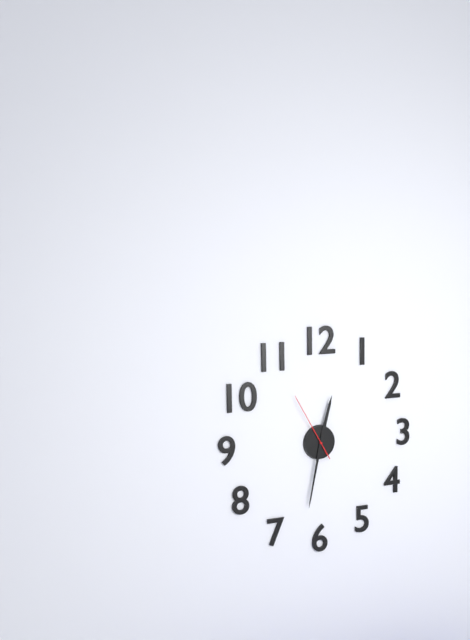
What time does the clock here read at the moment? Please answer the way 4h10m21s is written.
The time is 12h32m55s
